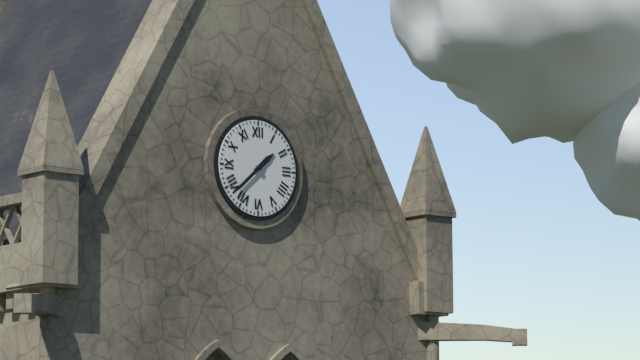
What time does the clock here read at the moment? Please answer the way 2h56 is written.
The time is 1h38
